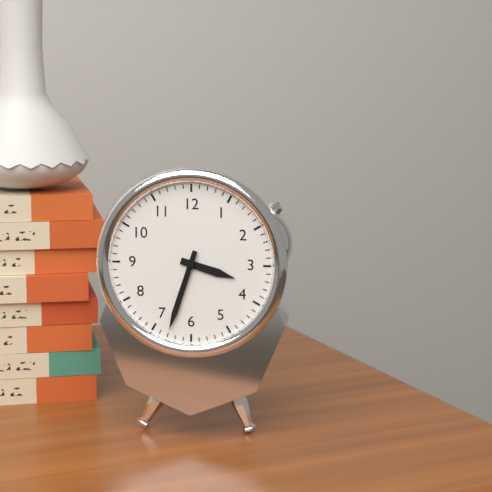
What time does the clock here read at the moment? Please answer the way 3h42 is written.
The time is 3h33
